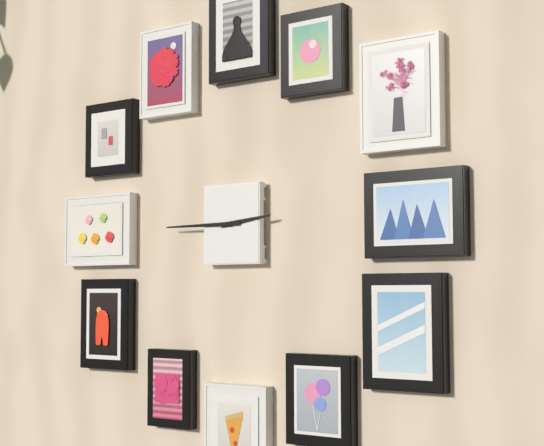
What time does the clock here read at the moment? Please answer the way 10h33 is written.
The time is 2h45
